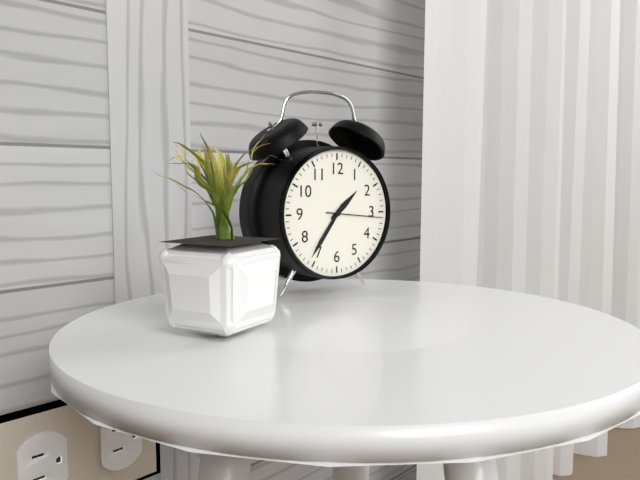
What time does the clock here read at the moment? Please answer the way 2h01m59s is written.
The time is 1h36m16s
